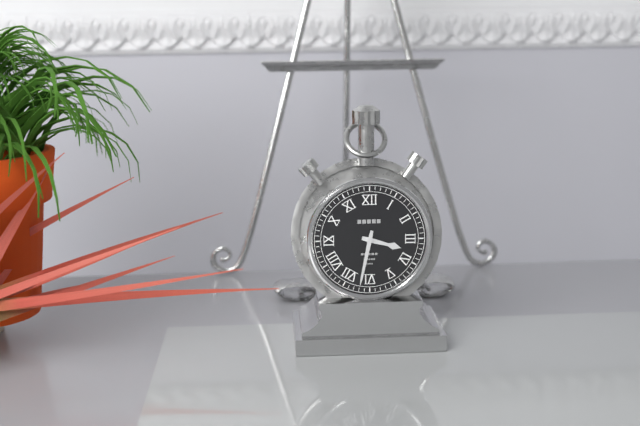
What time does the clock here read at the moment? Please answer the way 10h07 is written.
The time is 3h32
